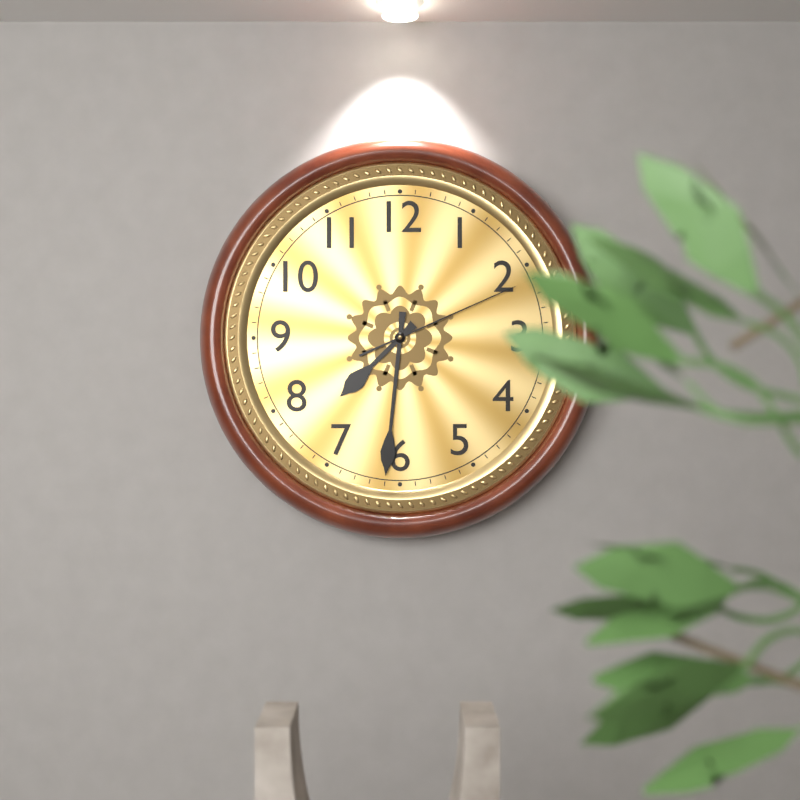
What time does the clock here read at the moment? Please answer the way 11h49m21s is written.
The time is 7h31m11s
